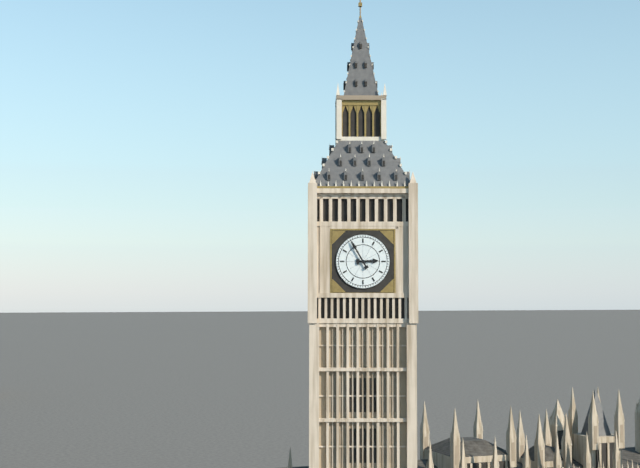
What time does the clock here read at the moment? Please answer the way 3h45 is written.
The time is 2h55
